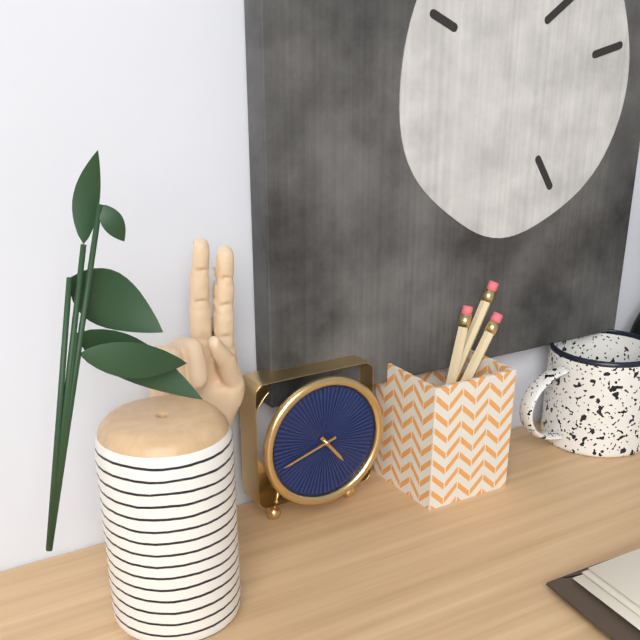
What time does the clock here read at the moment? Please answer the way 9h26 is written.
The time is 4h42
